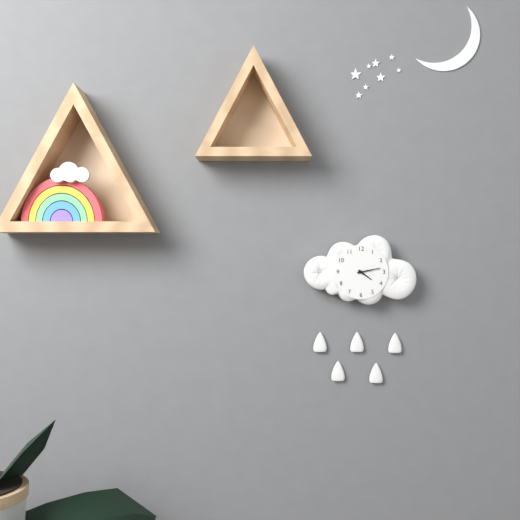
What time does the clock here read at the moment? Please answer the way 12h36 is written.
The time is 4h13
